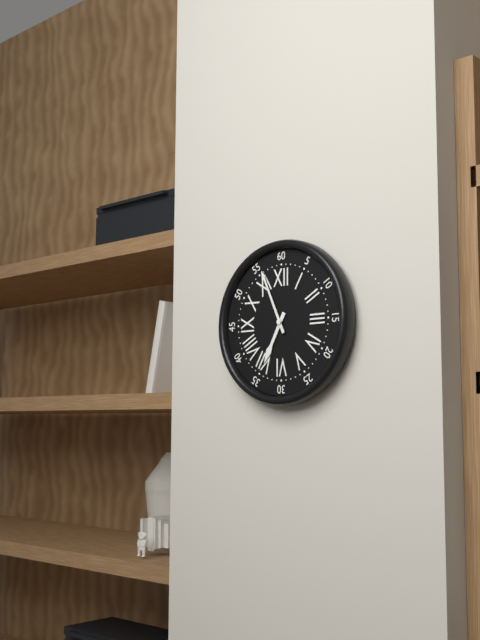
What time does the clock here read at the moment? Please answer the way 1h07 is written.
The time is 6h56
